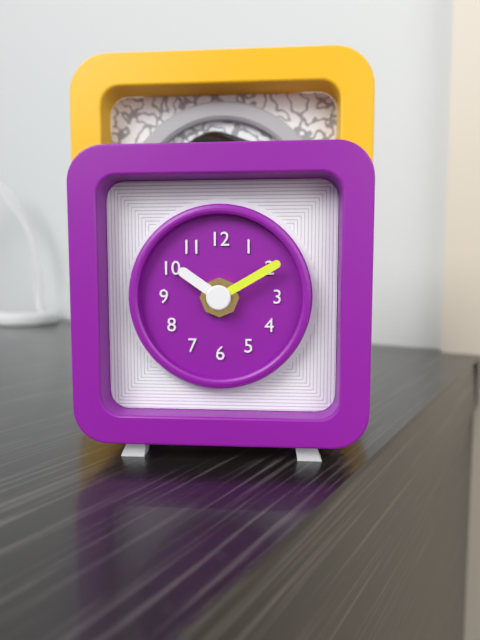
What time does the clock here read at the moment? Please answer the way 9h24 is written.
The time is 10h10
